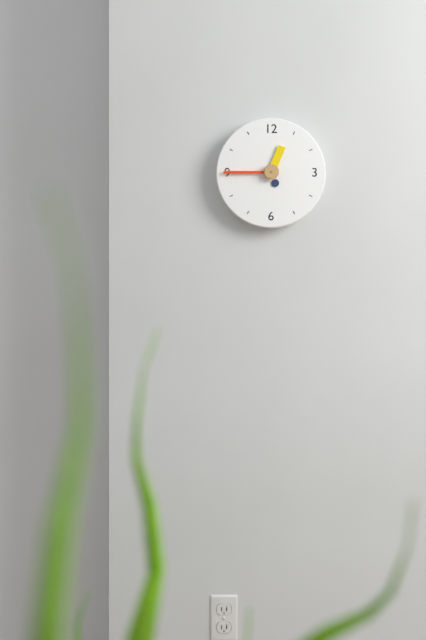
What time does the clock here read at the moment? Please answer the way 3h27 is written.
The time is 12h45
